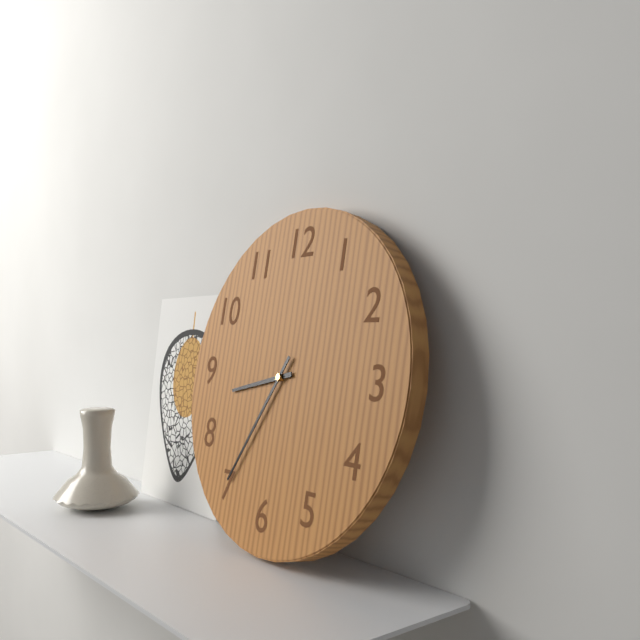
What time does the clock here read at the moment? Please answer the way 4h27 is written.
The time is 8h35
